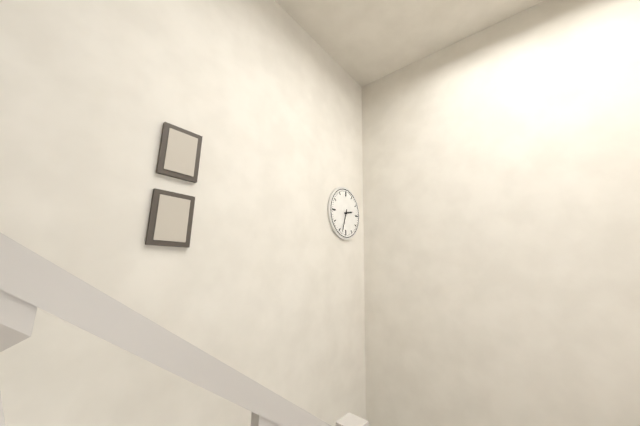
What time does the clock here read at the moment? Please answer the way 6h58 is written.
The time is 2h33
